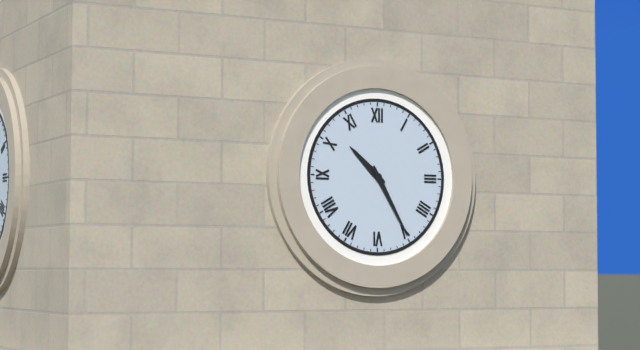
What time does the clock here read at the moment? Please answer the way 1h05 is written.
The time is 10h25
